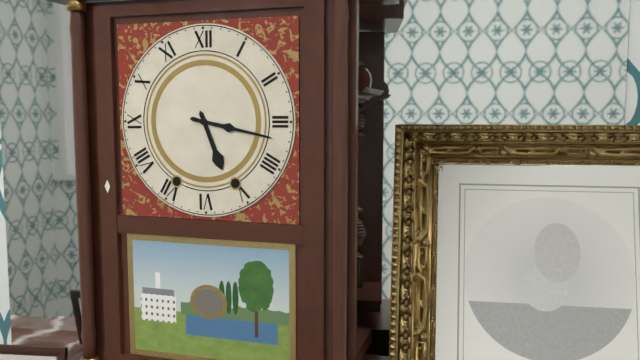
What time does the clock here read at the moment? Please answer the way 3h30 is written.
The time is 5h17
